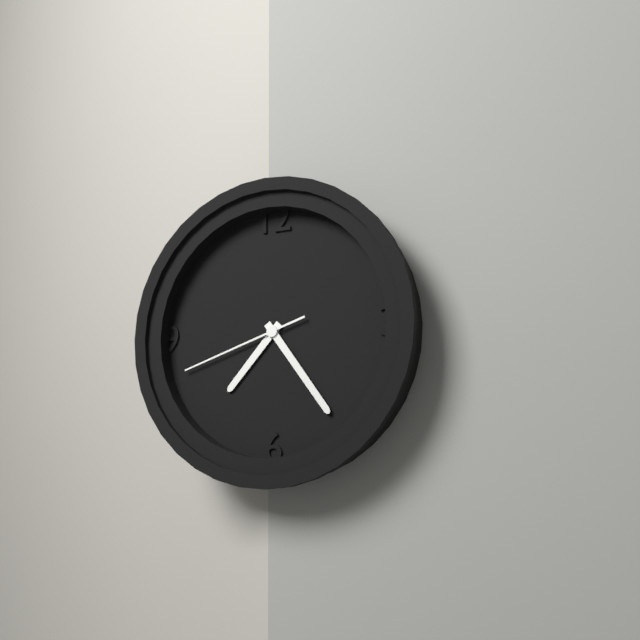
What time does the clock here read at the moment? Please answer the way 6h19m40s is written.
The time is 7h24m42s
